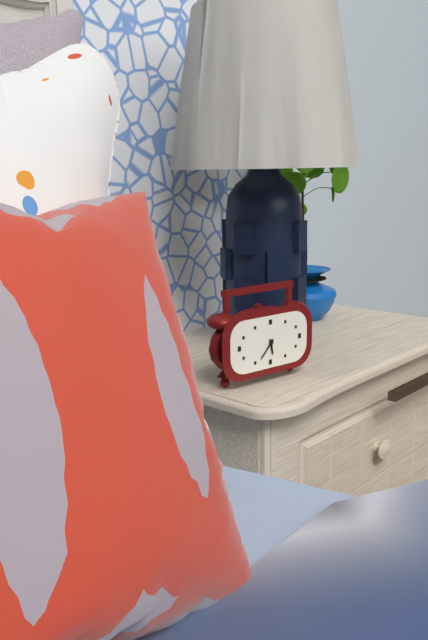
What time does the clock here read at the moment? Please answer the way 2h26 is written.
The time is 5h37
